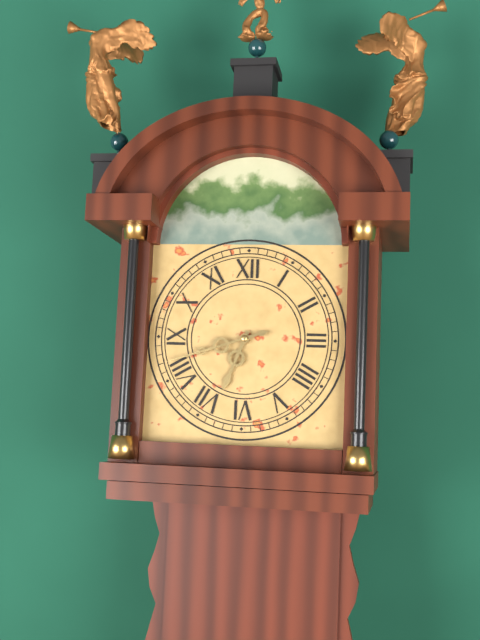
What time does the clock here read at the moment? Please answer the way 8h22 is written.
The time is 6h42
